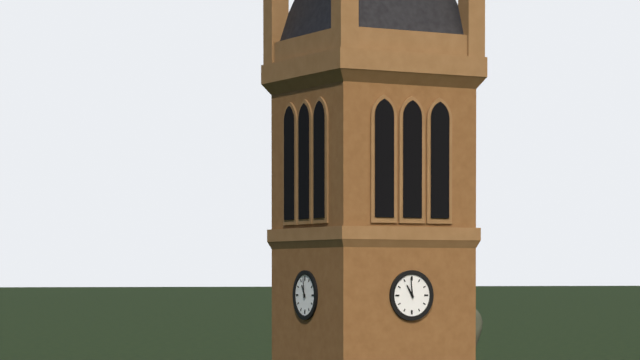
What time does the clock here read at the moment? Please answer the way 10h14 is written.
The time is 10h59
